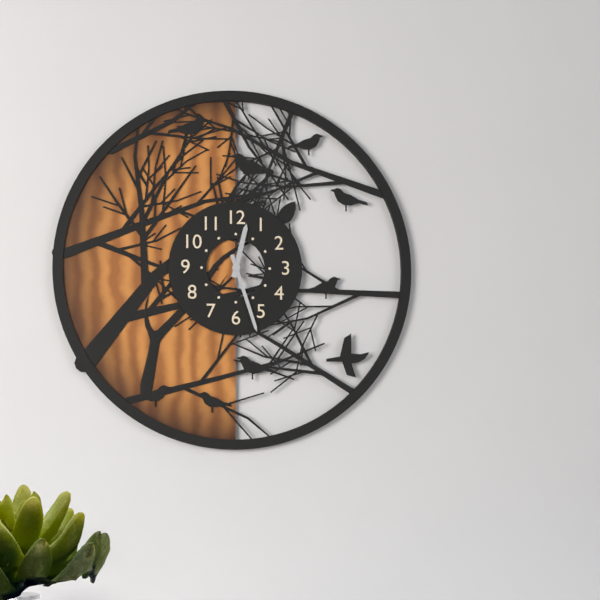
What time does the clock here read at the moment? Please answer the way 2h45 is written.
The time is 12h27
